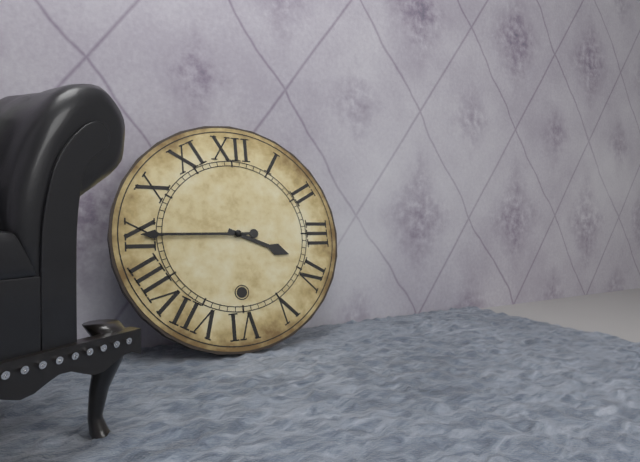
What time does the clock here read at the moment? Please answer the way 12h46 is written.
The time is 3h45
